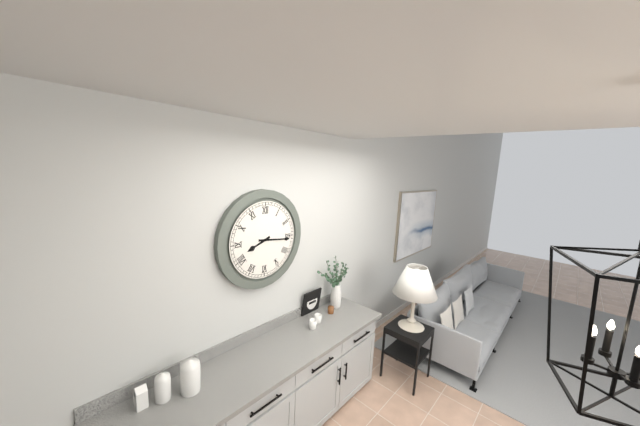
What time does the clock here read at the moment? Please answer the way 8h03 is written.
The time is 8h16
